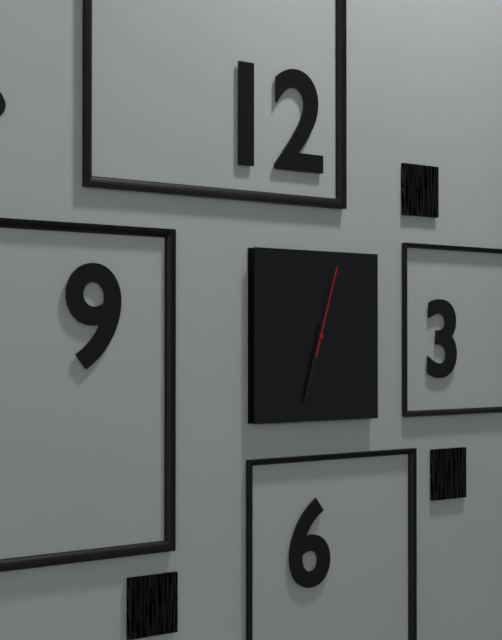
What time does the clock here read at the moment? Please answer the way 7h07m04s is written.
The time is 6h33m03s
